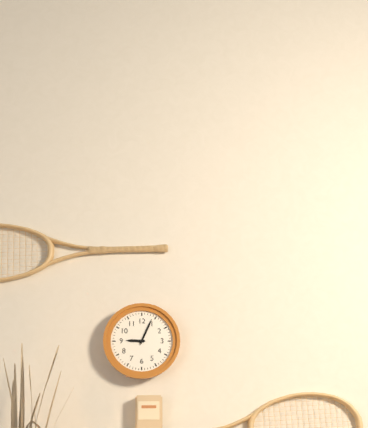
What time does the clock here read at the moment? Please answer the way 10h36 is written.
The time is 9h04
